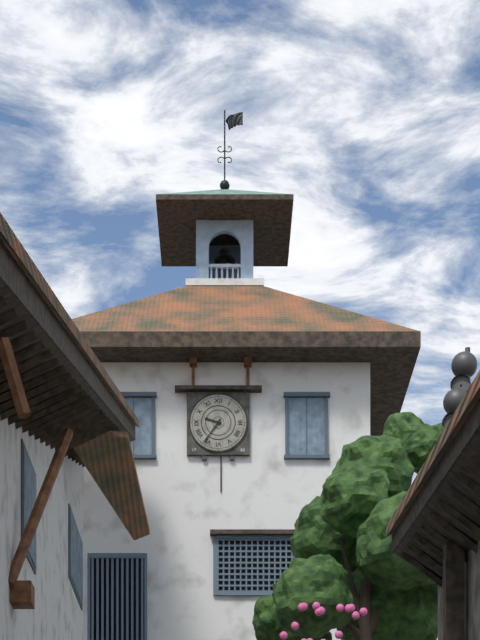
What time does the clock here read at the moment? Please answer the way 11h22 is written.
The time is 9h36
